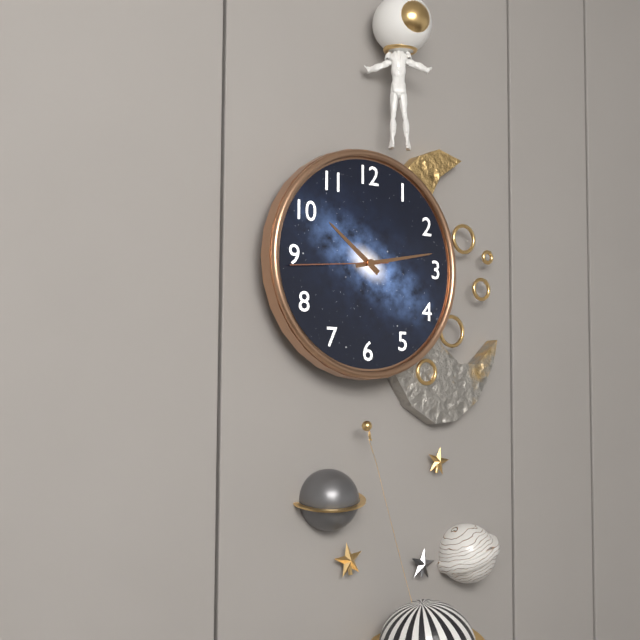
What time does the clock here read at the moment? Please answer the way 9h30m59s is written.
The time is 10h13m44s
